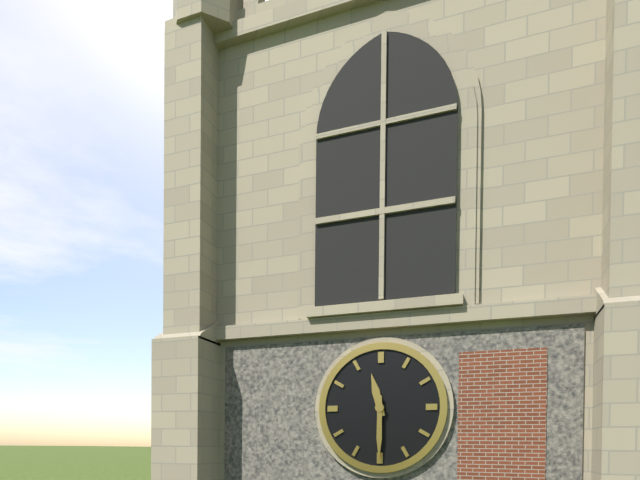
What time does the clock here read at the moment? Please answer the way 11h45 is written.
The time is 11h30
